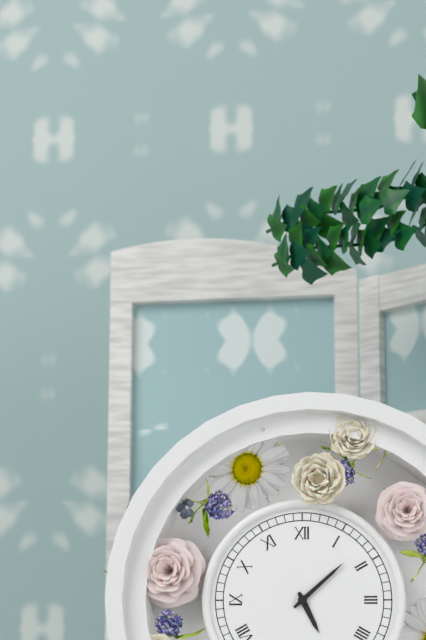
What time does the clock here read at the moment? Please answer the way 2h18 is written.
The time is 5h08
